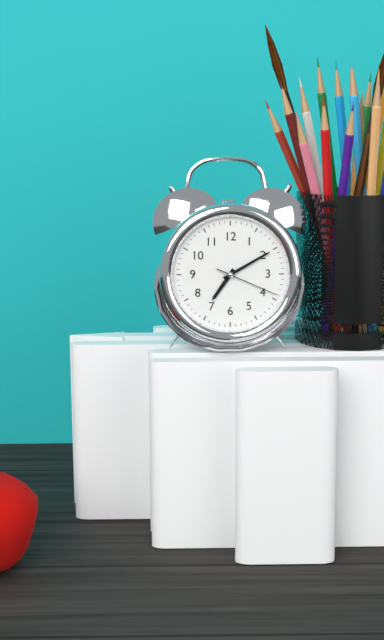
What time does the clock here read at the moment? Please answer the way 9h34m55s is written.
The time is 7h10m19s
